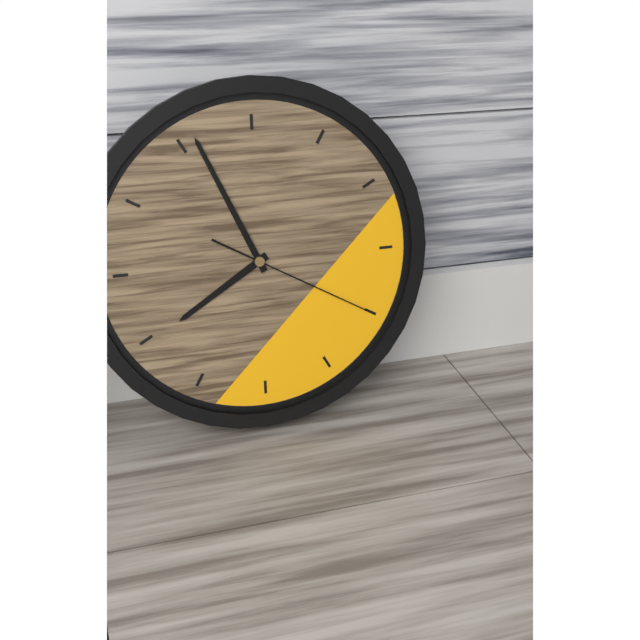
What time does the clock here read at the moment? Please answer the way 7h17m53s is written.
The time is 7h56m20s
